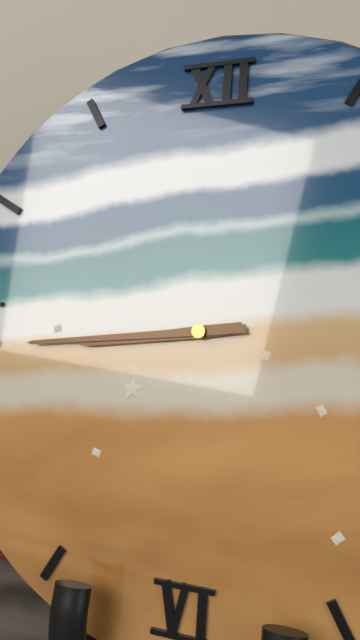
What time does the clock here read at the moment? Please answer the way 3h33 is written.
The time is 8h44
